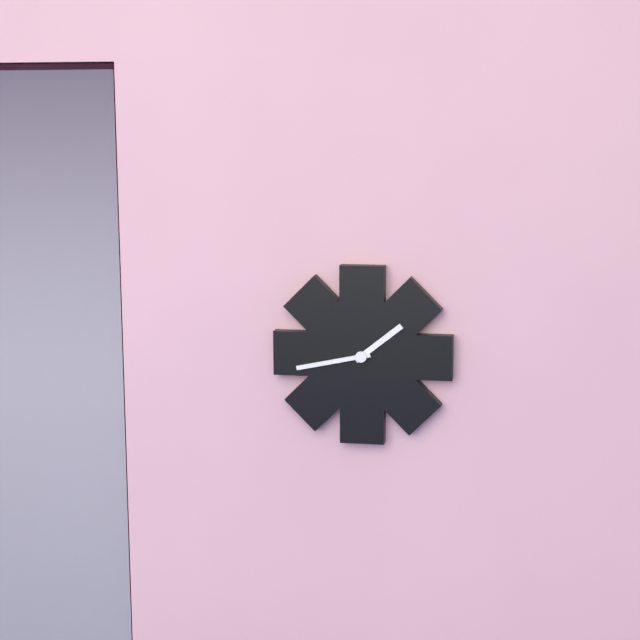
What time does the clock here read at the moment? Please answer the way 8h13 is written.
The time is 1h43
